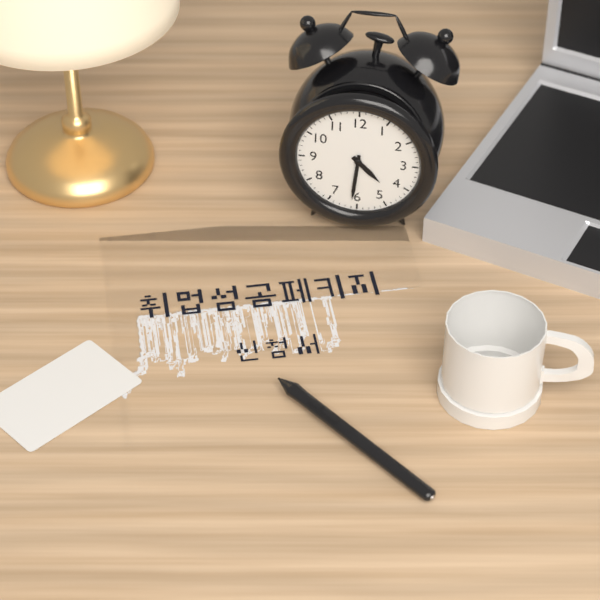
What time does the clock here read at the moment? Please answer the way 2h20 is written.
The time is 4h31
